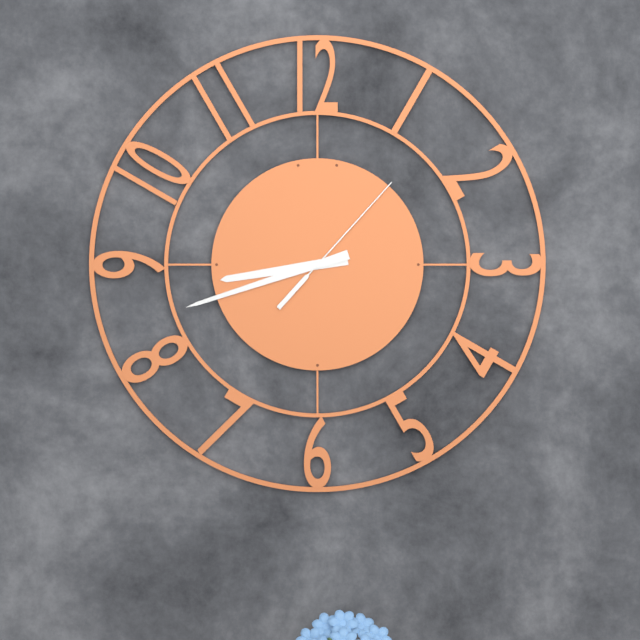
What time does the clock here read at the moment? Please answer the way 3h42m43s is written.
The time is 8h42m07s
